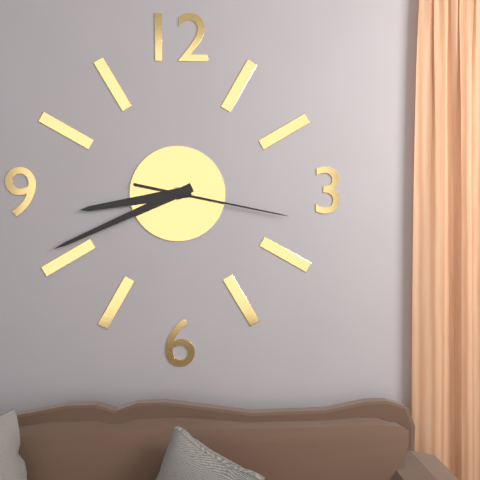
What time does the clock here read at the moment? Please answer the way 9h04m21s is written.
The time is 8h41m17s
